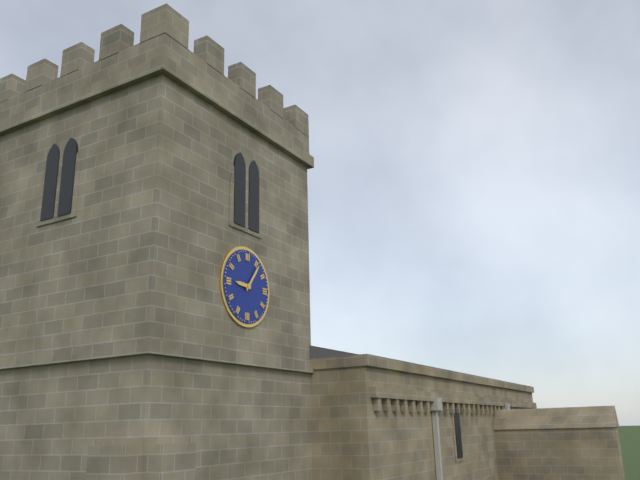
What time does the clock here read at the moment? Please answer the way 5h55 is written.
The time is 9h06
